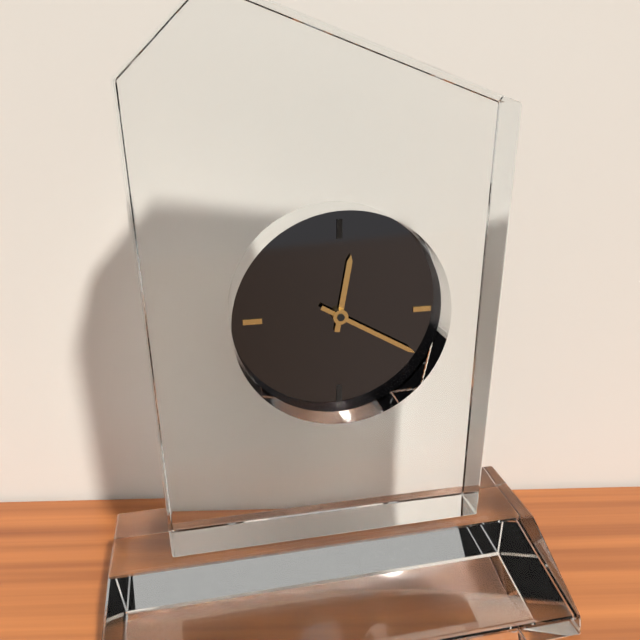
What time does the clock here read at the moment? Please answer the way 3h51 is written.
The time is 12h20
